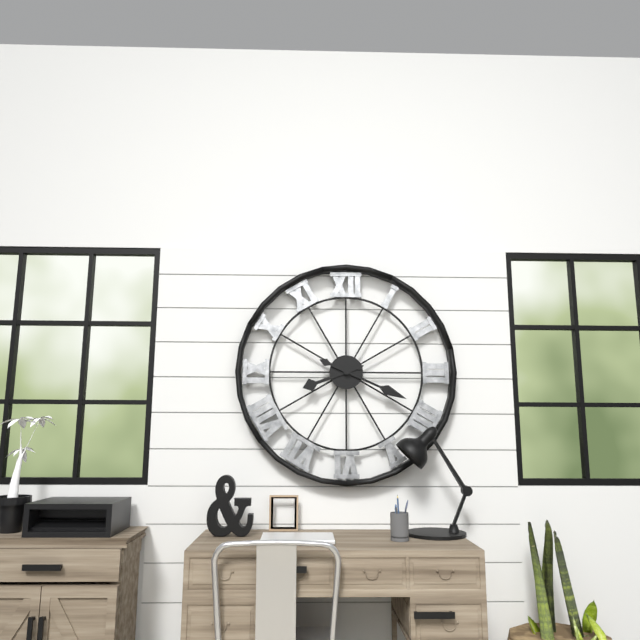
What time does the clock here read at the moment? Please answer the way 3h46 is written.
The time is 8h19
